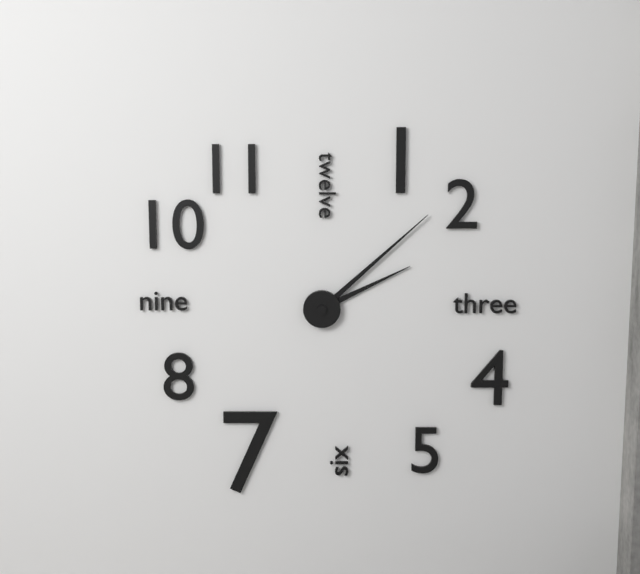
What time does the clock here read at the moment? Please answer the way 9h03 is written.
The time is 2h08
